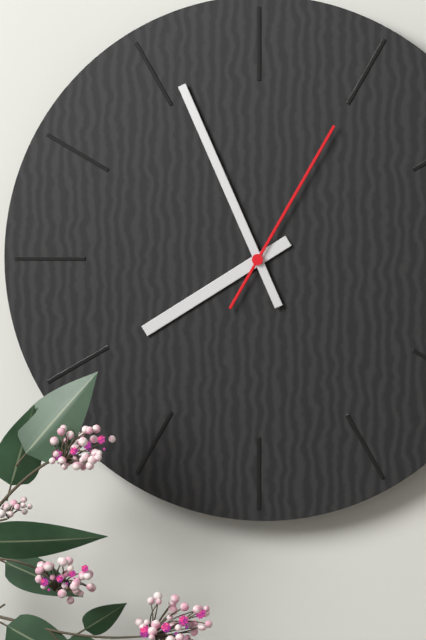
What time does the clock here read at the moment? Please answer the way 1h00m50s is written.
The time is 7h56m05s
